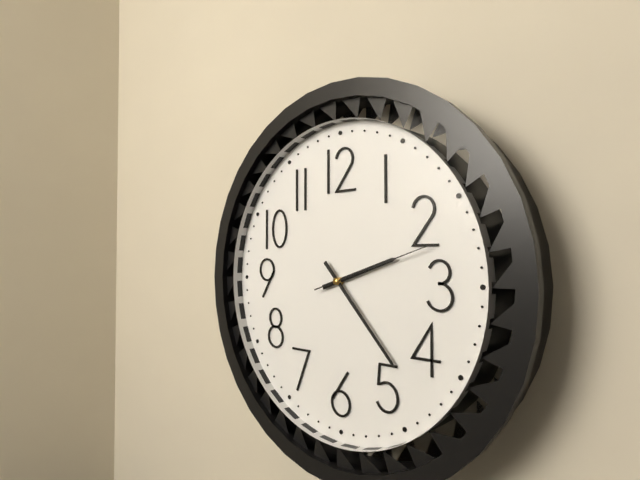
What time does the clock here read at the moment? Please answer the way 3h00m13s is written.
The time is 2h23m12s
